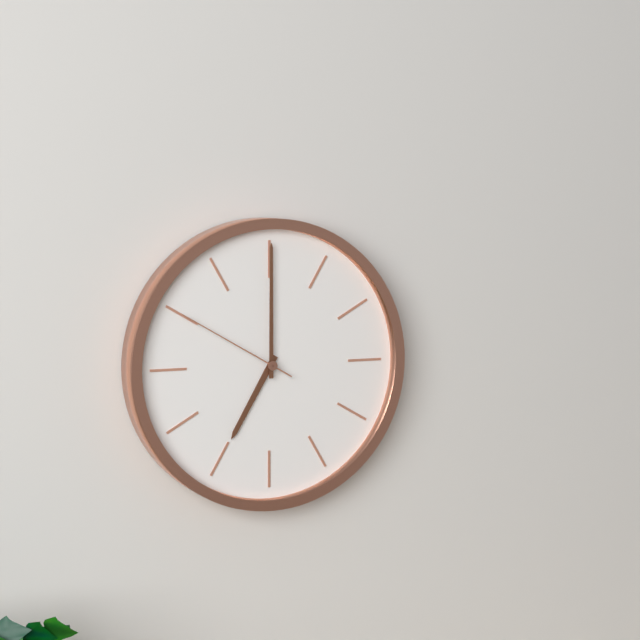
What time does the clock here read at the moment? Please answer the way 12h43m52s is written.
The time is 7h00m50s
